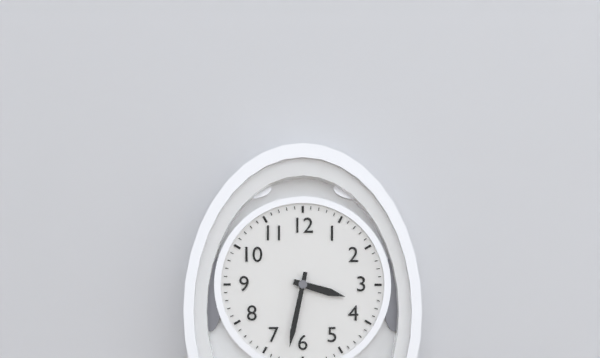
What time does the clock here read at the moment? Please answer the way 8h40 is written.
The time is 3h32
